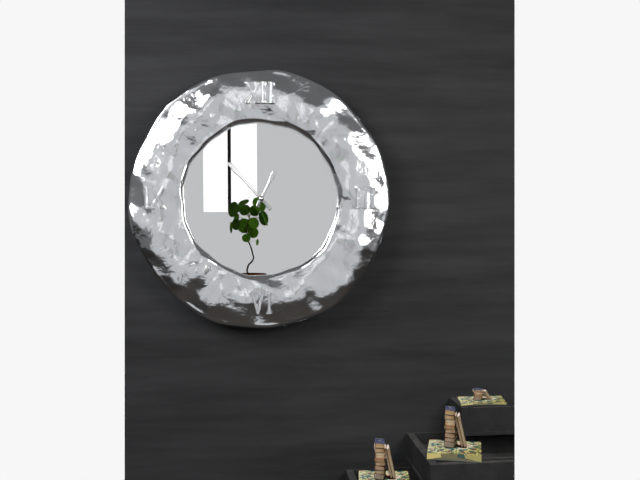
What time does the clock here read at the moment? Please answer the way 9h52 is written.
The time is 12h53
